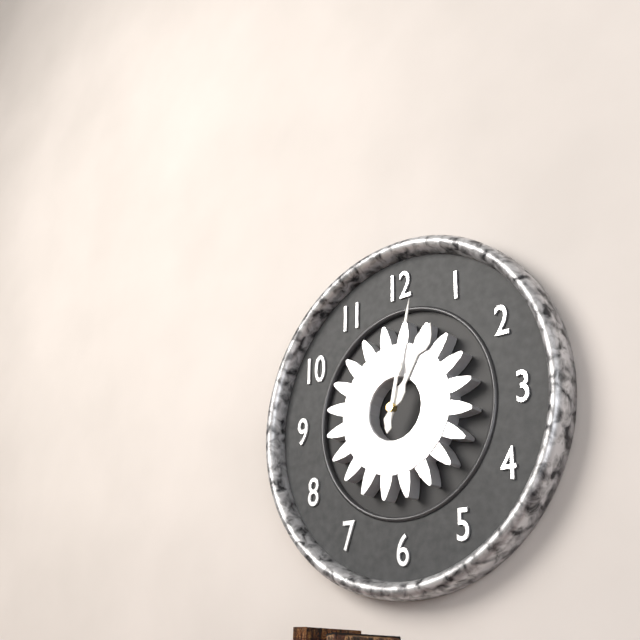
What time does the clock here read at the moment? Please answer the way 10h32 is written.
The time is 1h02
